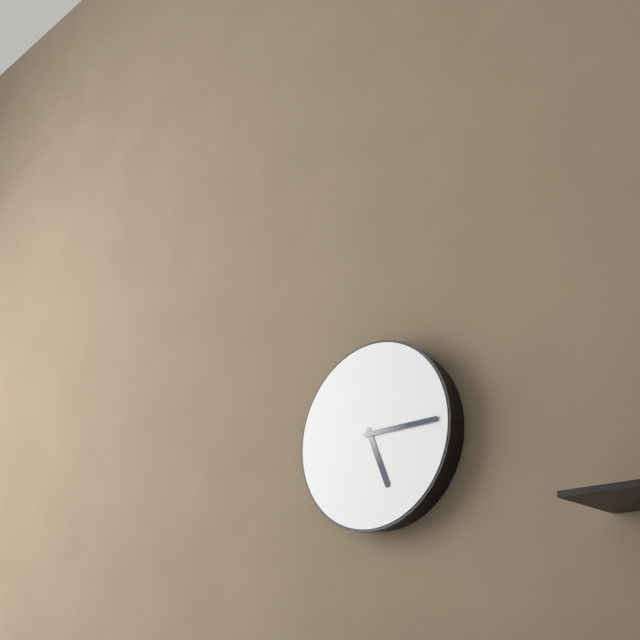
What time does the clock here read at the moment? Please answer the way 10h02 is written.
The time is 5h15
